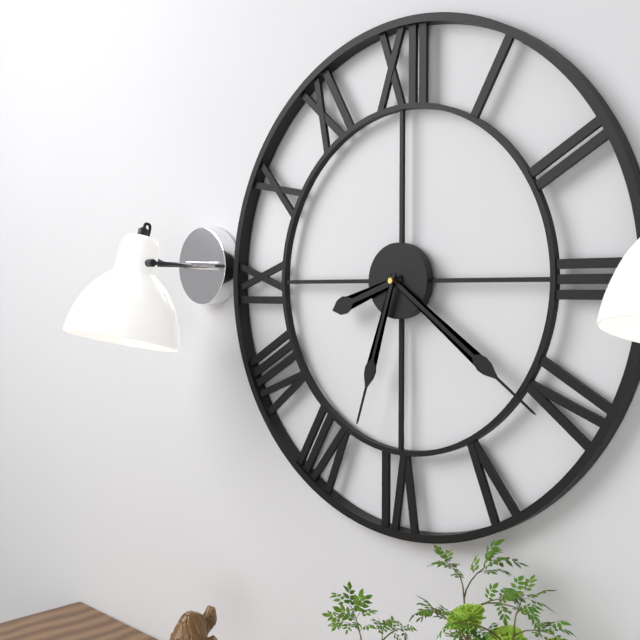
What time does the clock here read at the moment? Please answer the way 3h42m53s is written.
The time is 8h21m33s
